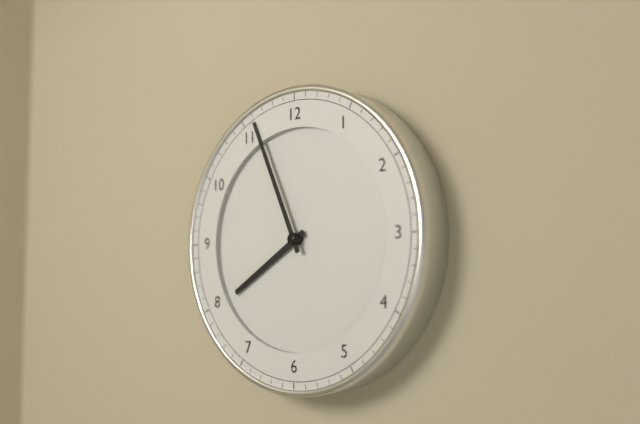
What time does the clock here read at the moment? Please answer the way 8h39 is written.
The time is 7h56
